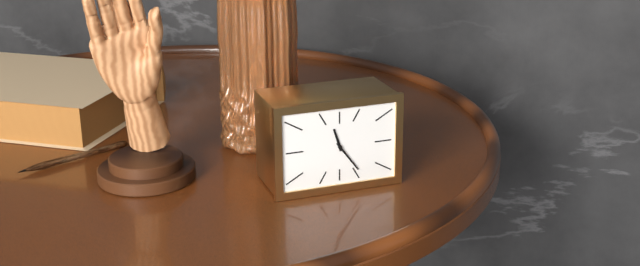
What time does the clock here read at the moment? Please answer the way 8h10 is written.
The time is 11h24
